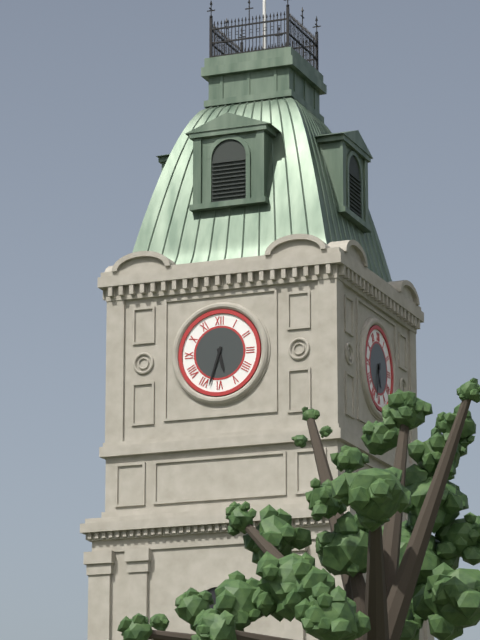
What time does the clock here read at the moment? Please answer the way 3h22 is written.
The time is 5h33
